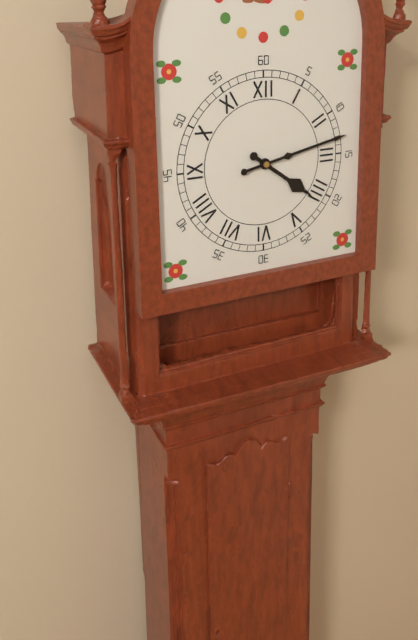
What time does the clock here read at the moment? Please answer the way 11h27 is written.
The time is 4h13
